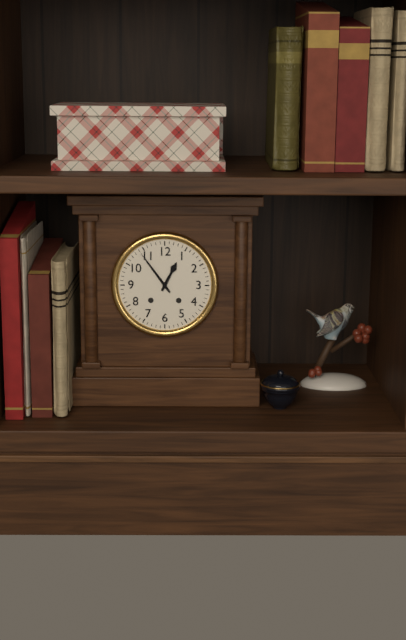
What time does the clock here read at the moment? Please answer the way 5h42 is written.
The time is 12h54
